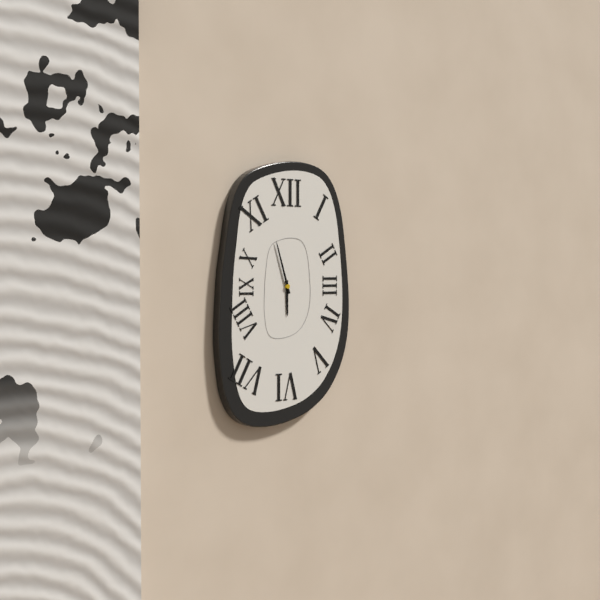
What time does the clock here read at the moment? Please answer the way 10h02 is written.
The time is 5h57
